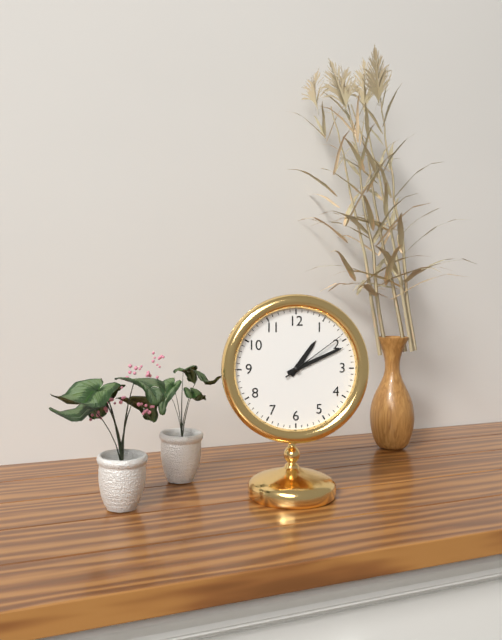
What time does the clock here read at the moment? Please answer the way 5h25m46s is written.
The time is 1h11m09s
